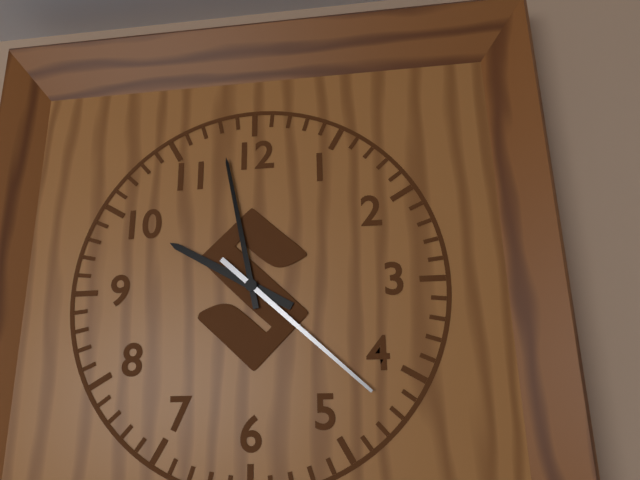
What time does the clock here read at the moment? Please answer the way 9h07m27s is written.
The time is 9h58m22s
